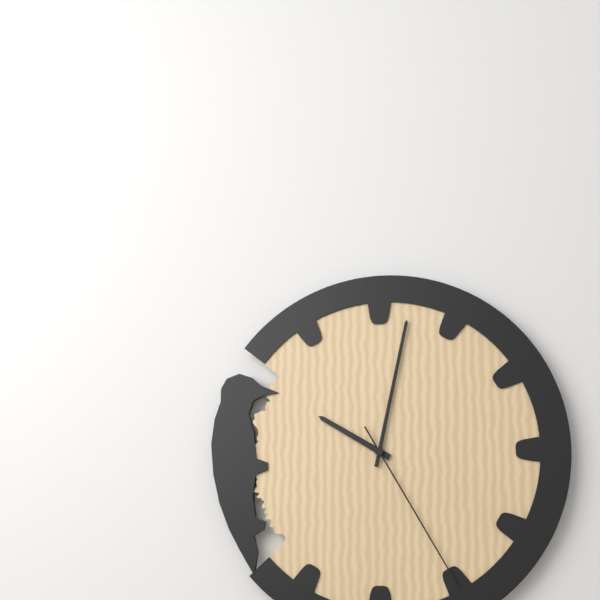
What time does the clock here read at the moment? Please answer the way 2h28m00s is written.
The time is 10h02m25s
